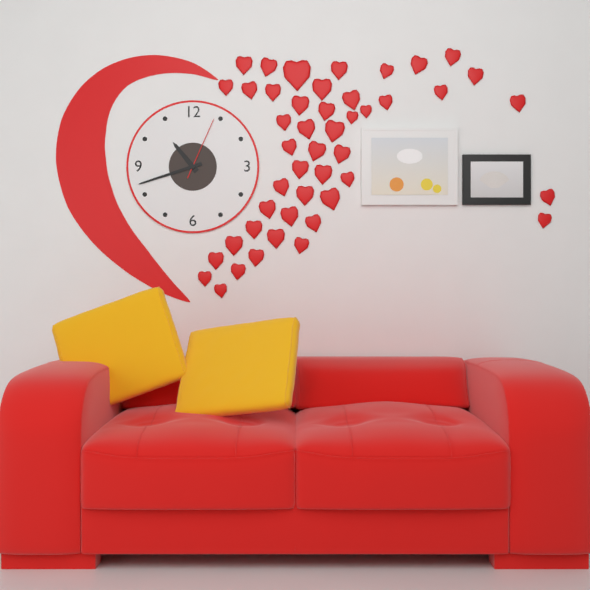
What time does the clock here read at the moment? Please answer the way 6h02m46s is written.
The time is 10h42m04s
